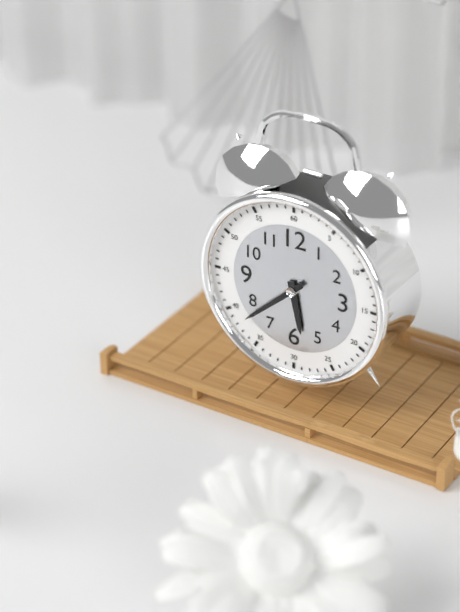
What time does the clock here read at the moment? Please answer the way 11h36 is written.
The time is 5h38
